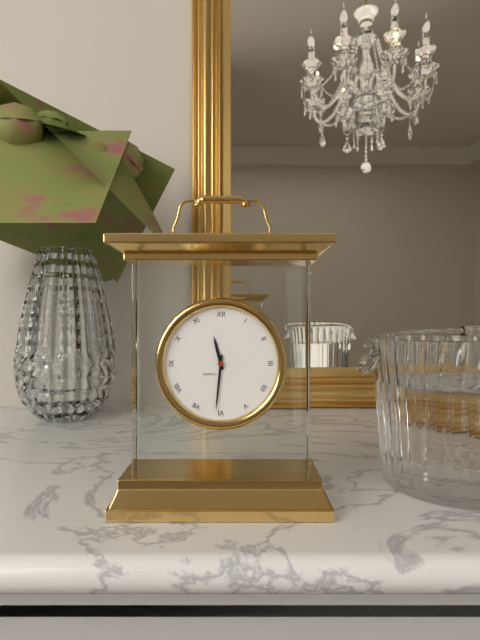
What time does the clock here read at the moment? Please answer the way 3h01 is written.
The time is 11h31
